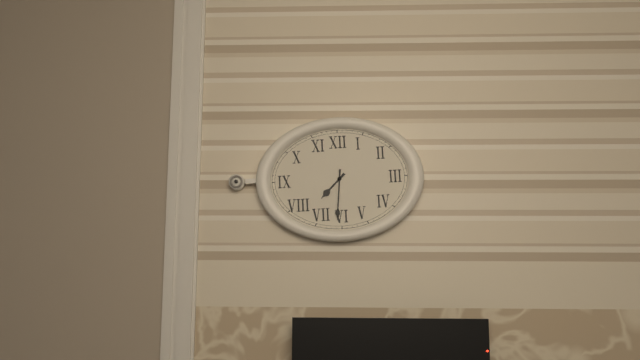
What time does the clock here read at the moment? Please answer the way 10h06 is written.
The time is 7h31
